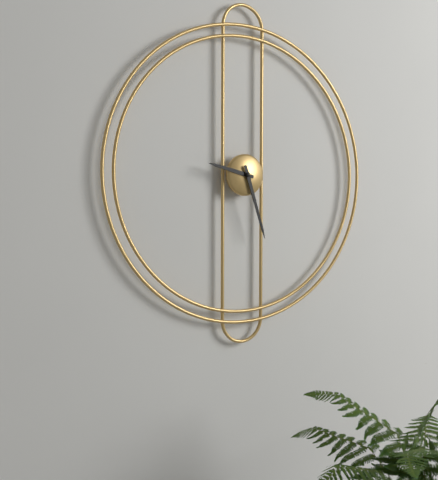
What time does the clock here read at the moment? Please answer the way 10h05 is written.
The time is 9h27
